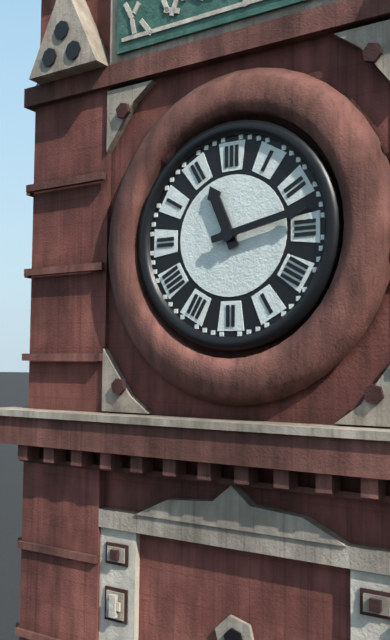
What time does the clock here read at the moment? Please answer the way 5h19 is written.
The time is 11h13
